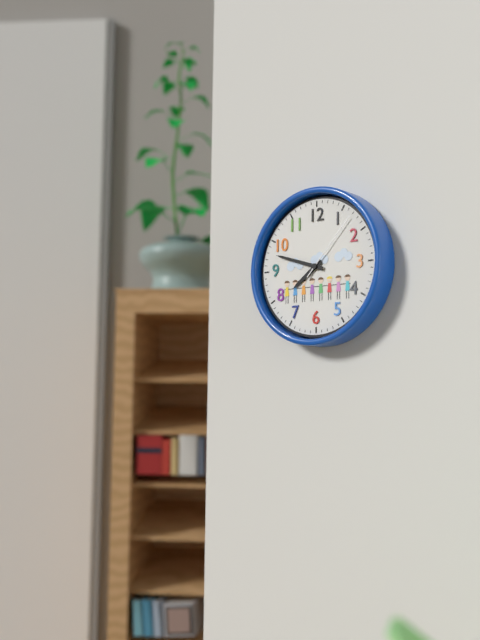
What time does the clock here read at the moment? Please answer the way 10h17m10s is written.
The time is 7h48m07s
